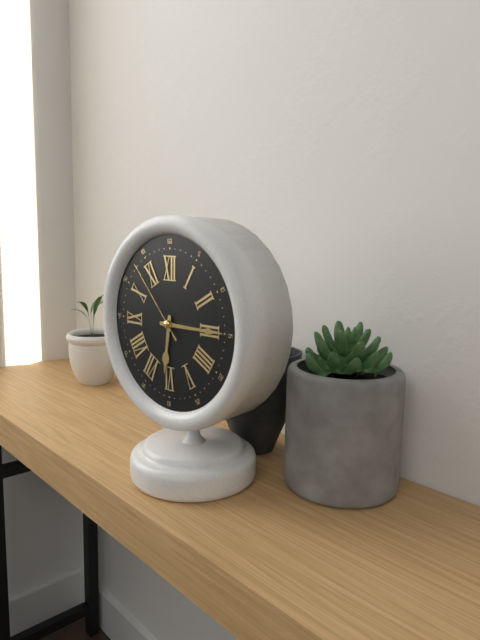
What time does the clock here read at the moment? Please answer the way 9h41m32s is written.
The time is 6h15m53s
